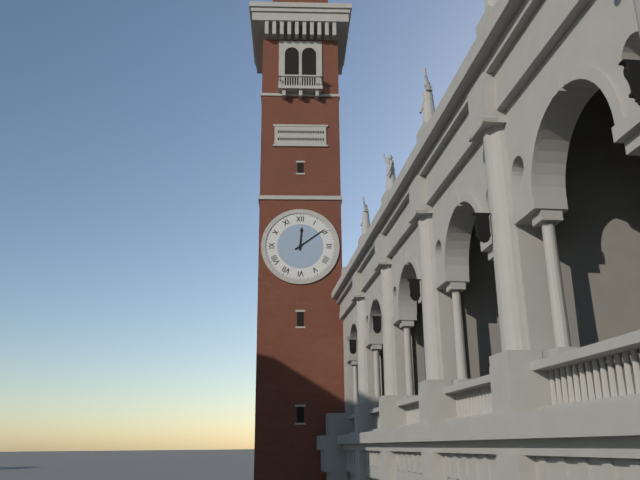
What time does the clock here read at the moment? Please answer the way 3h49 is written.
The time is 12h09
